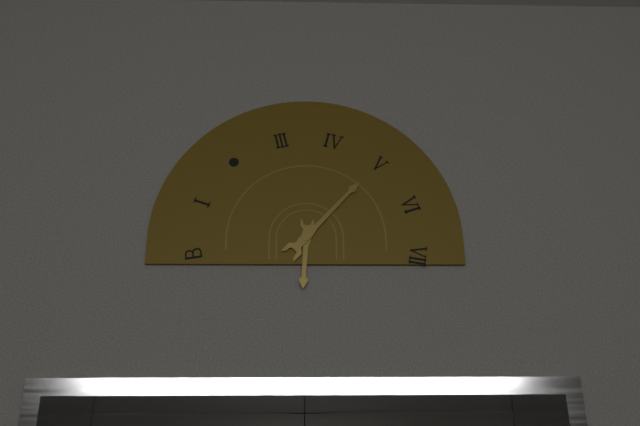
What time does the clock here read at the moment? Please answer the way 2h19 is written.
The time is 6h07
